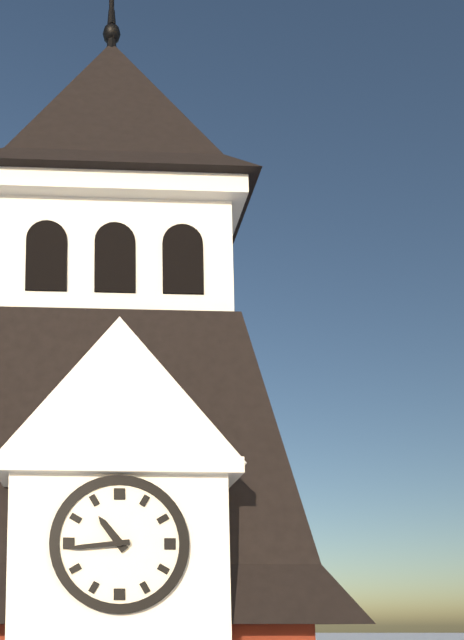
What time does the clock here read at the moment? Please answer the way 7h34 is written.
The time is 10h44
